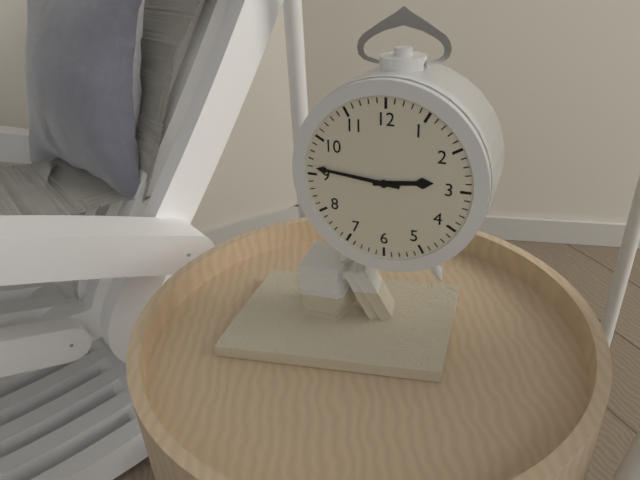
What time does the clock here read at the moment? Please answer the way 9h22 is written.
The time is 2h46
